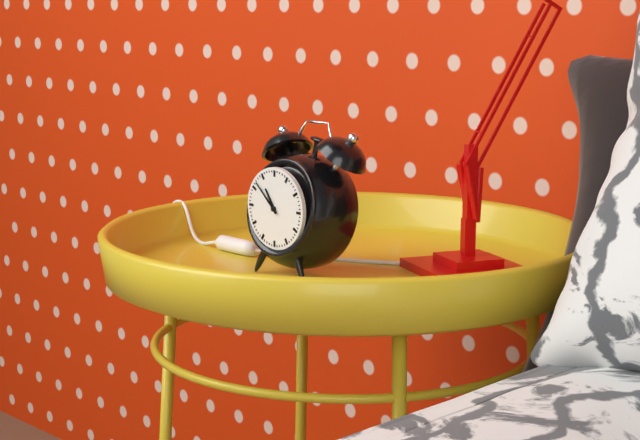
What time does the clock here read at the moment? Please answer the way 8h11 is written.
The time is 10h52
